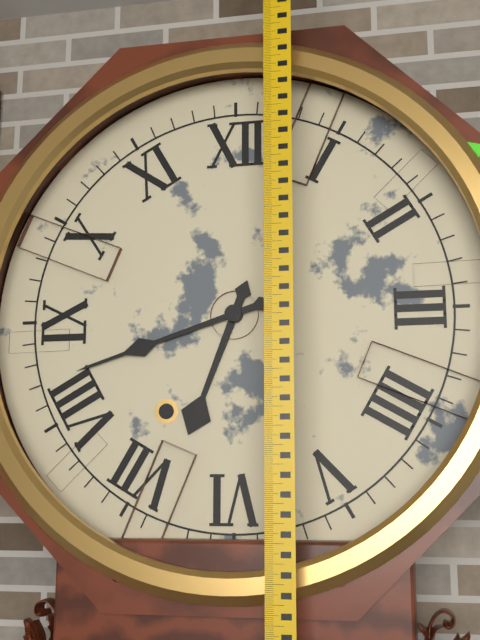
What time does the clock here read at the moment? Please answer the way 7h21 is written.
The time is 6h42
